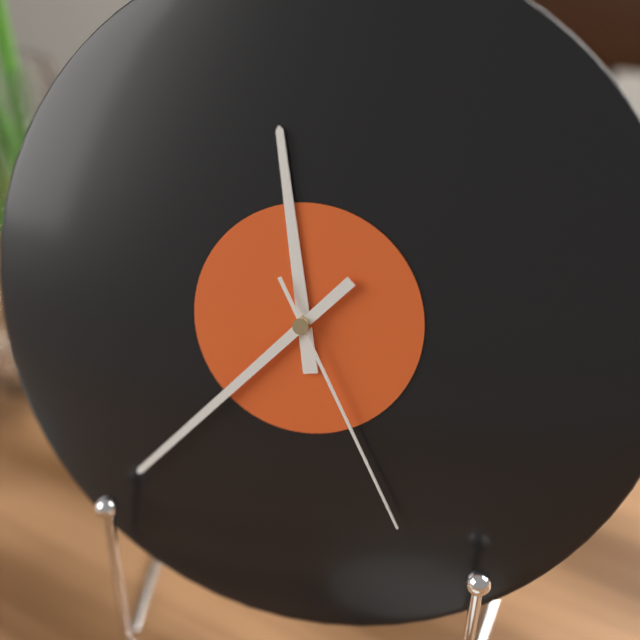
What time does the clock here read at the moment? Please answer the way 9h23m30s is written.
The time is 11h37m25s
